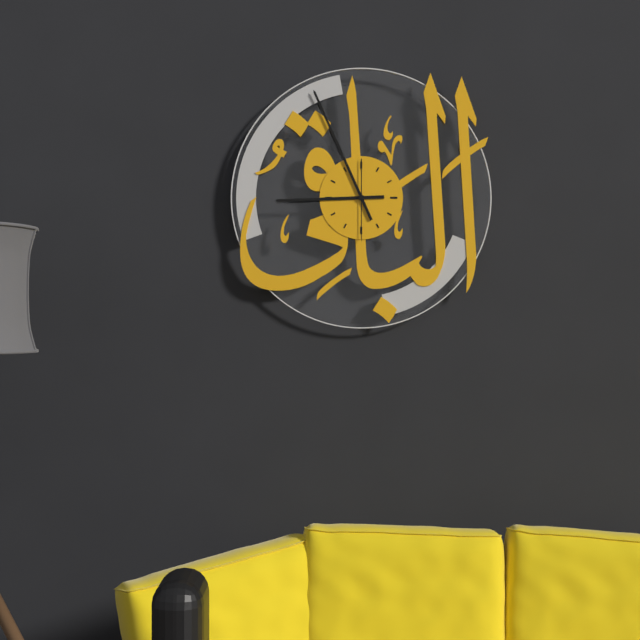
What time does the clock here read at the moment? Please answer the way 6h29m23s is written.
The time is 8h56m30s
